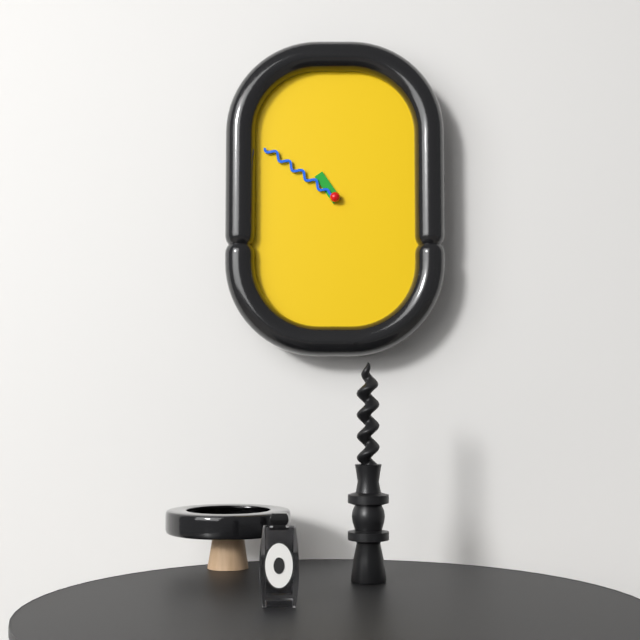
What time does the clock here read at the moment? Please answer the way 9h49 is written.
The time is 10h51
